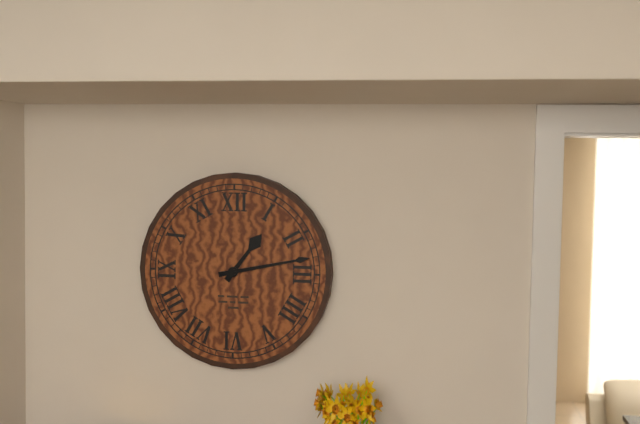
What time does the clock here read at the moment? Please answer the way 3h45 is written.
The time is 1h13
